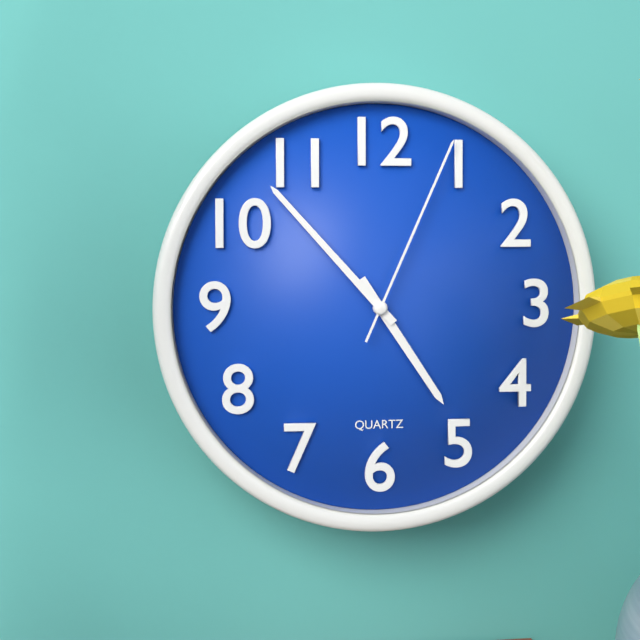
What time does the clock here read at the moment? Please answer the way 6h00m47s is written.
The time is 4h53m04s
